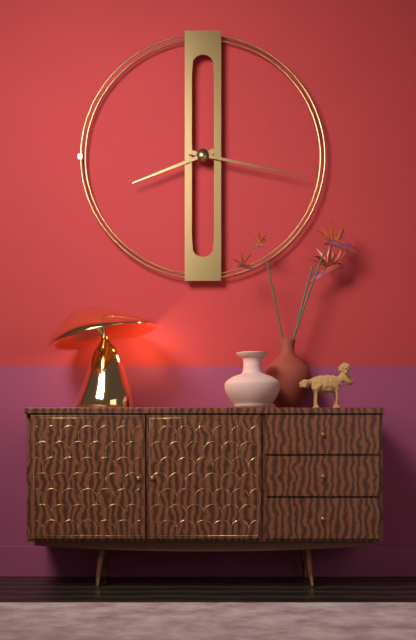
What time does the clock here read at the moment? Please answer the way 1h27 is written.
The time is 8h17
